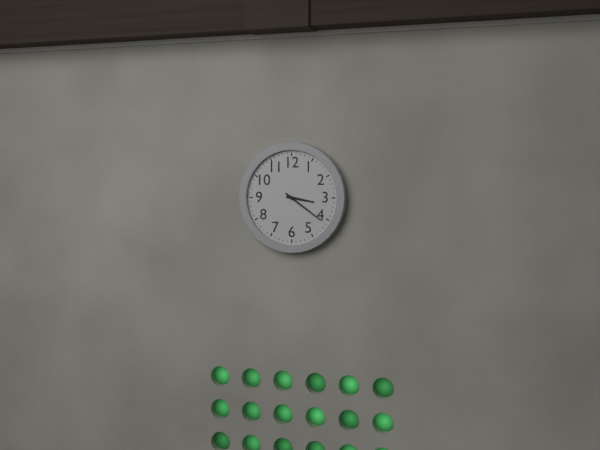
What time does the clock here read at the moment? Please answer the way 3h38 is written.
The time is 3h21
